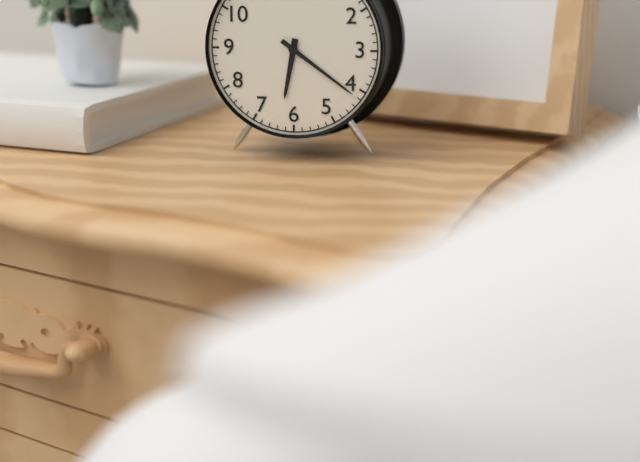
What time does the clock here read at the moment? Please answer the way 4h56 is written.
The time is 6h21
